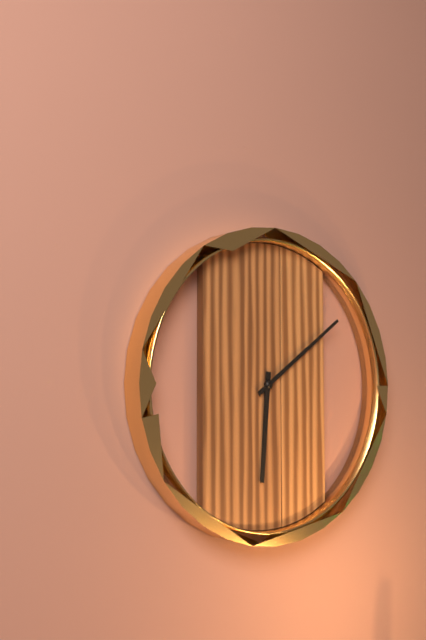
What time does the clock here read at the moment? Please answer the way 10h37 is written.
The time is 6h09
